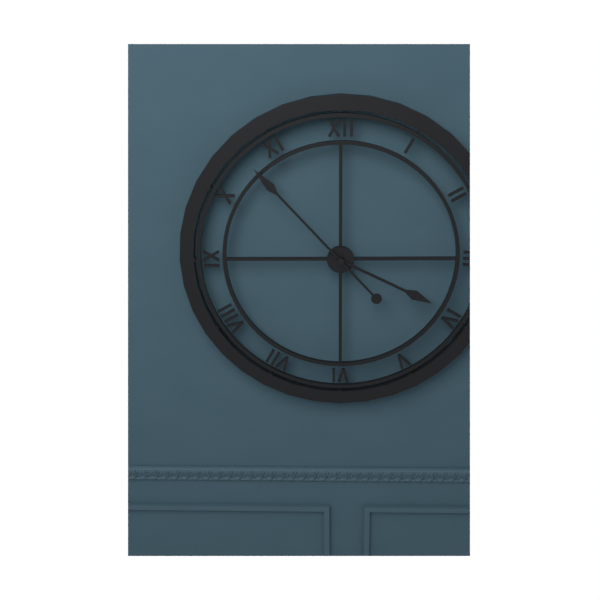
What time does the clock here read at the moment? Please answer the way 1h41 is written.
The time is 3h53
